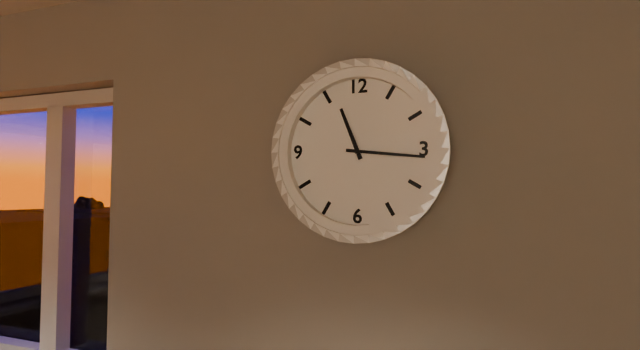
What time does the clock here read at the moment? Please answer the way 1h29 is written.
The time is 11h16
